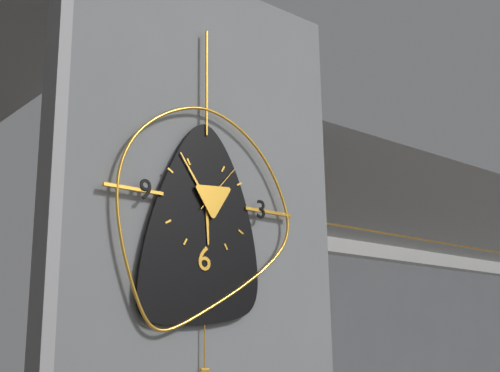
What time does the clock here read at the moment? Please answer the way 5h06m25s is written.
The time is 5h54m07s
